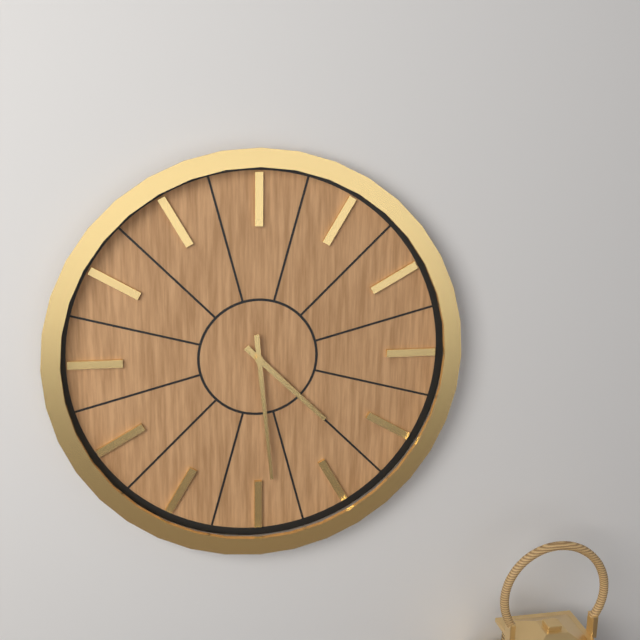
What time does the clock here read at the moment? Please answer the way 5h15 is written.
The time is 4h29
